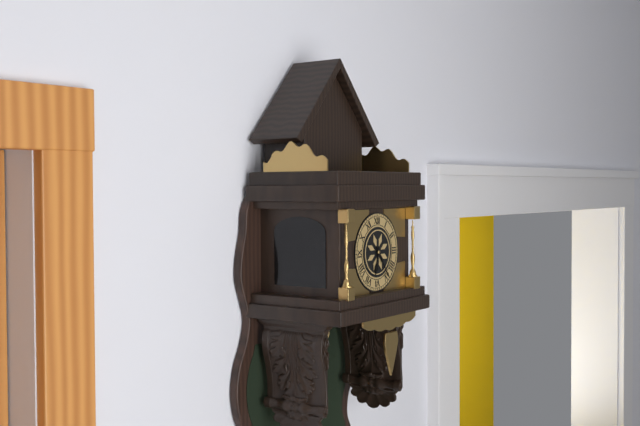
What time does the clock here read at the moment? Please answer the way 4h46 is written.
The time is 6h24
